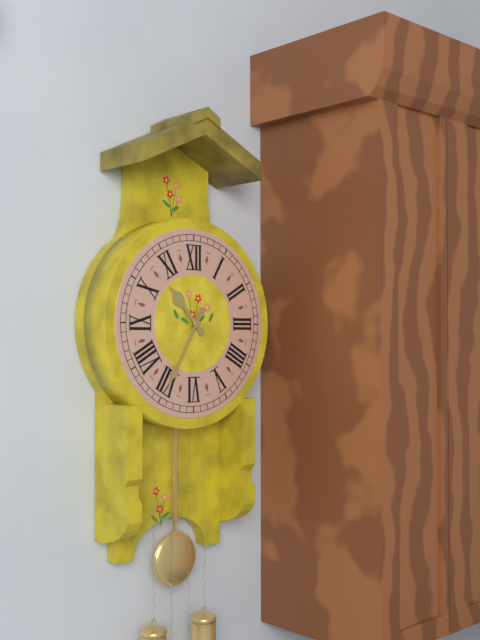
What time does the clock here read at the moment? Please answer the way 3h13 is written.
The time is 10h35
